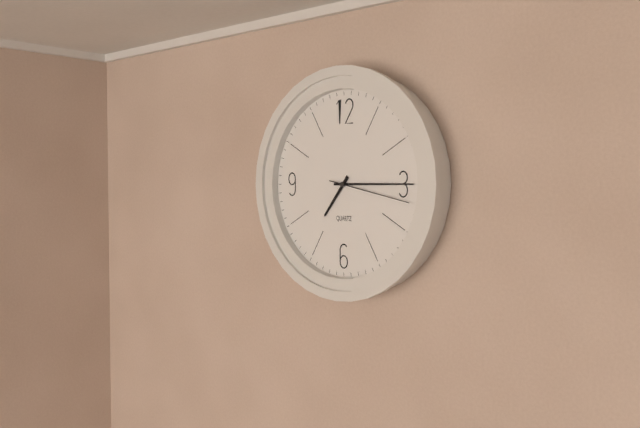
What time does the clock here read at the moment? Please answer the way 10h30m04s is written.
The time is 7h15m17s
